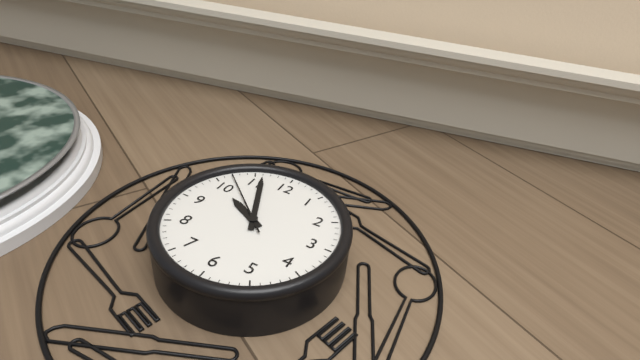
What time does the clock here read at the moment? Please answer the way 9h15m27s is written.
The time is 9h56m52s
